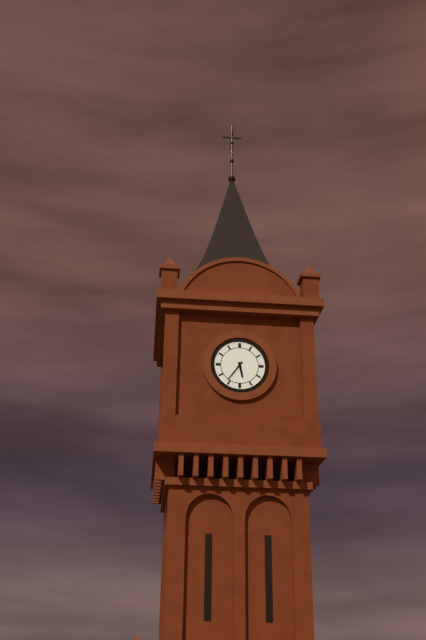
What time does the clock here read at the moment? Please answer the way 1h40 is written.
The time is 5h36
